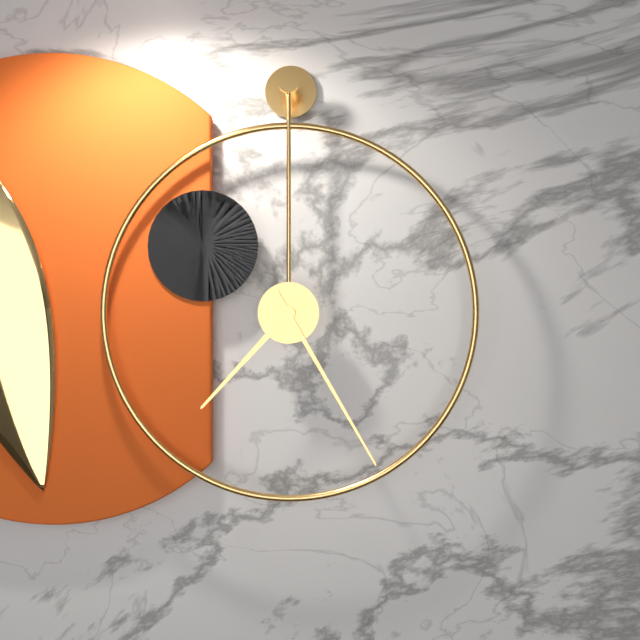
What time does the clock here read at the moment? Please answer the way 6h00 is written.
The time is 7h25
